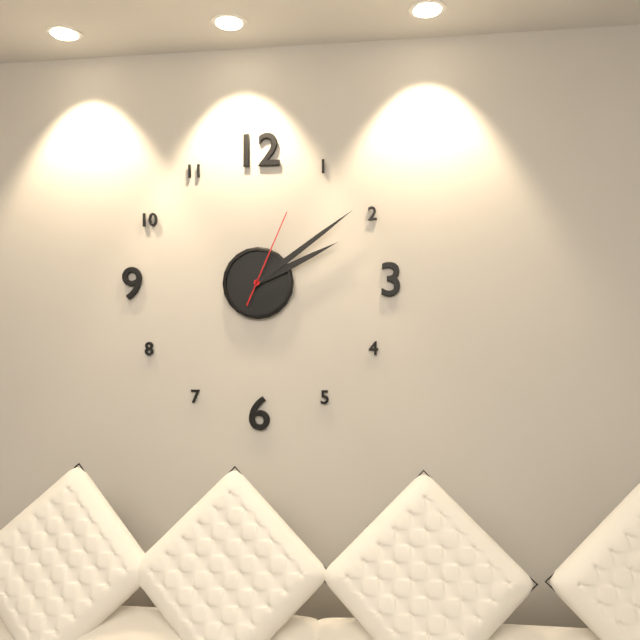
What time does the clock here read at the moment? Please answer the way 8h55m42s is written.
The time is 2h09m04s
